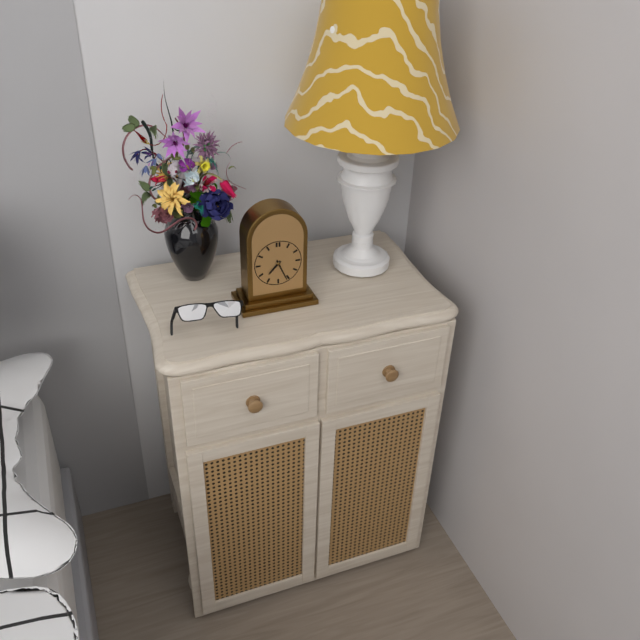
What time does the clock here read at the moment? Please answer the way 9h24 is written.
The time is 7h26
